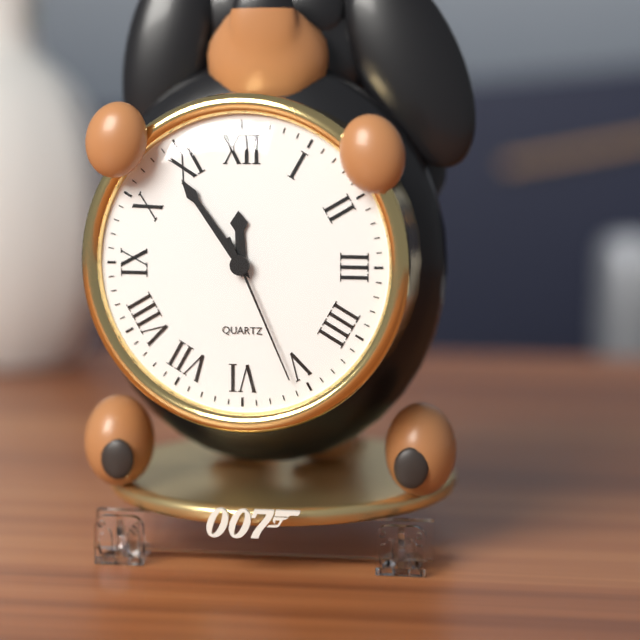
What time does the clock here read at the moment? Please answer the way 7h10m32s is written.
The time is 11h54m26s
